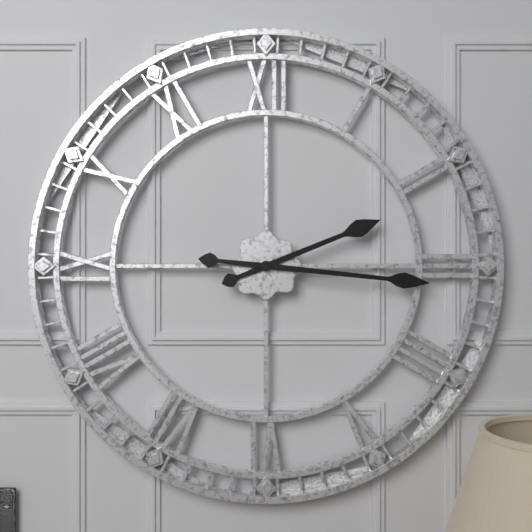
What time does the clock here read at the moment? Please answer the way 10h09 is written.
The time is 2h16
